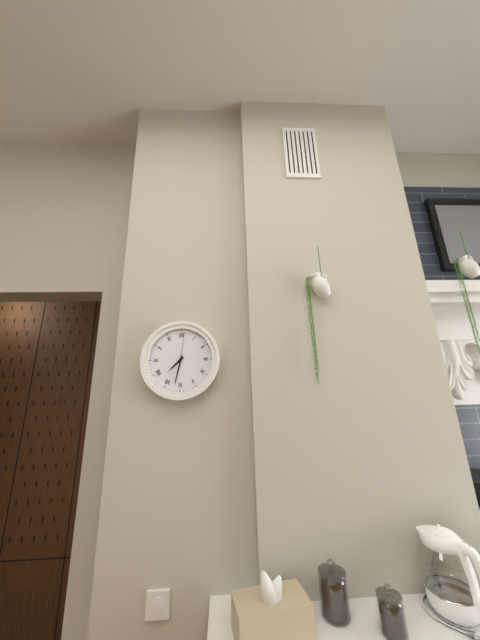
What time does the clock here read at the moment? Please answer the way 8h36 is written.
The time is 7h32
